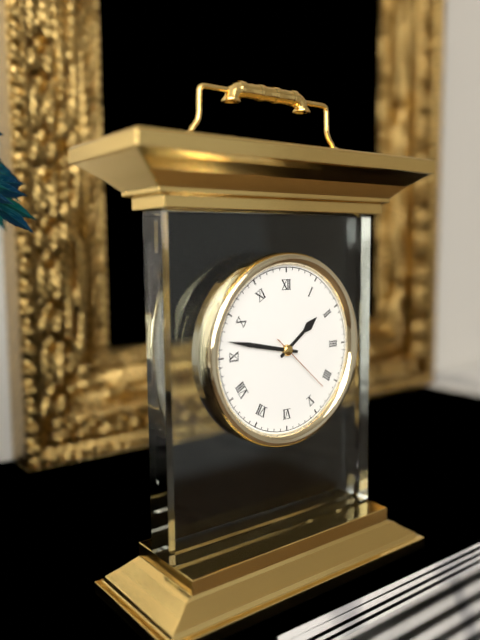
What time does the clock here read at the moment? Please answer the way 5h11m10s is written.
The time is 1h47m22s
